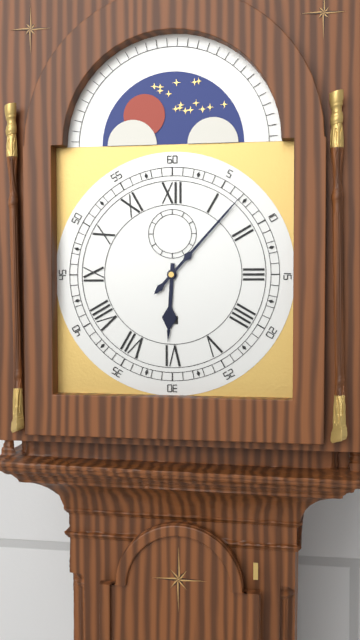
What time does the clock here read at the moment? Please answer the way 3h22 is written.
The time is 6h07
